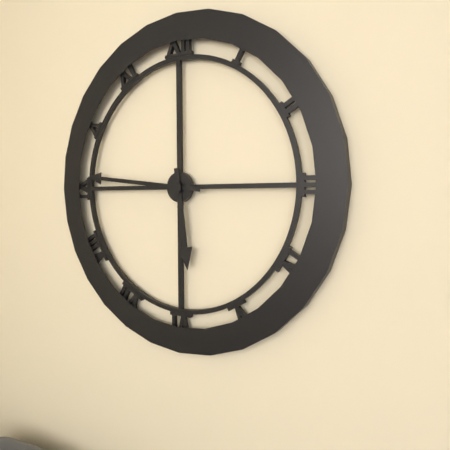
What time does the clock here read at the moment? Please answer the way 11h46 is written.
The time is 5h46
